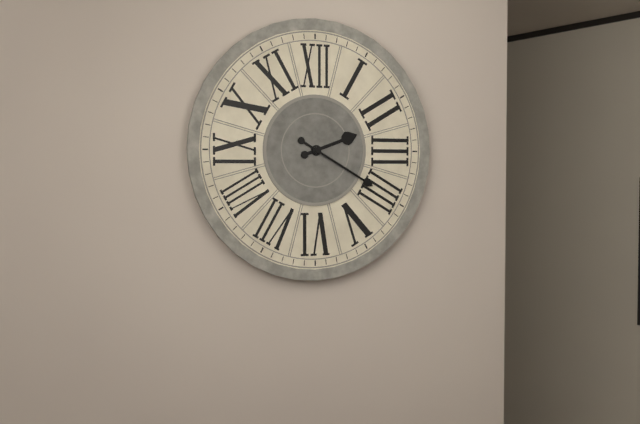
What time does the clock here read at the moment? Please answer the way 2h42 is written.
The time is 2h20
